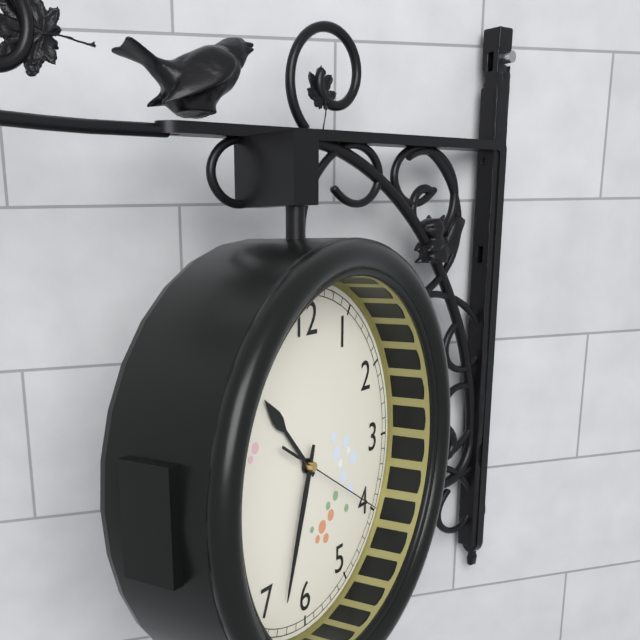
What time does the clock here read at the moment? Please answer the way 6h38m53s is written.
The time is 10h33m20s
